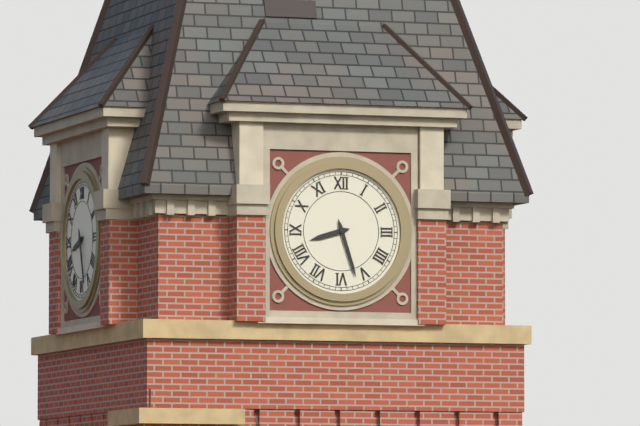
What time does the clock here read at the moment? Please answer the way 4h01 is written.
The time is 8h27
